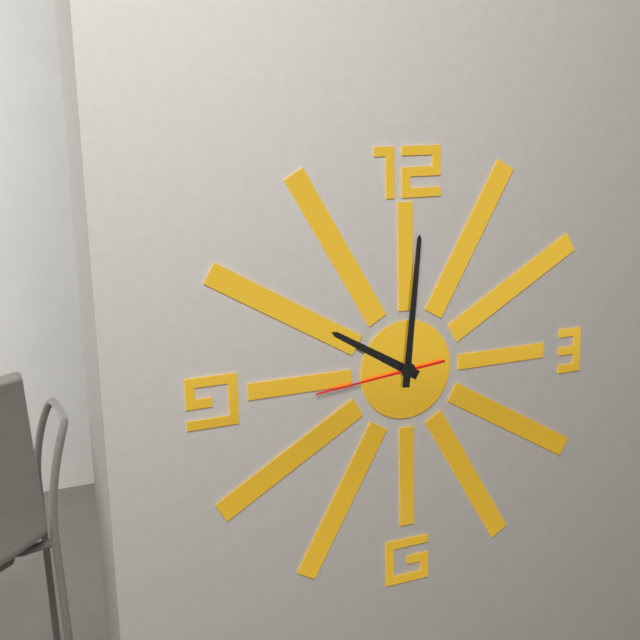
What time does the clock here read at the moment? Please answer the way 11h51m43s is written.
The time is 10h01m44s
